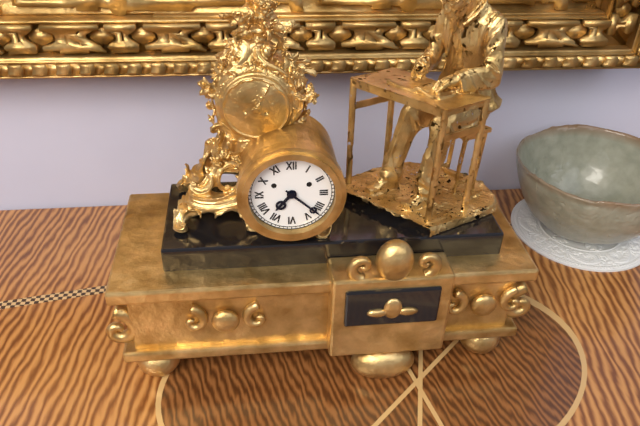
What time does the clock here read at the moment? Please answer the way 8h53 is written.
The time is 7h22
